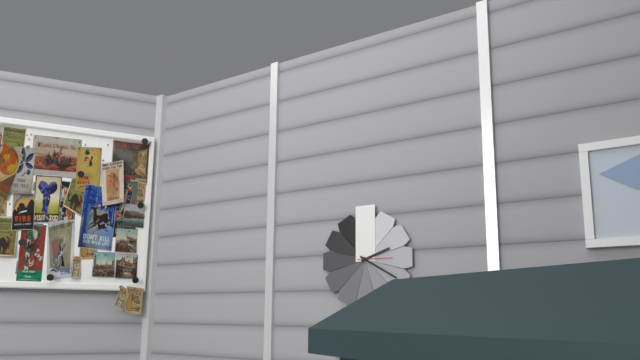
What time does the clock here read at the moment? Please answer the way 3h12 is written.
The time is 2h20
